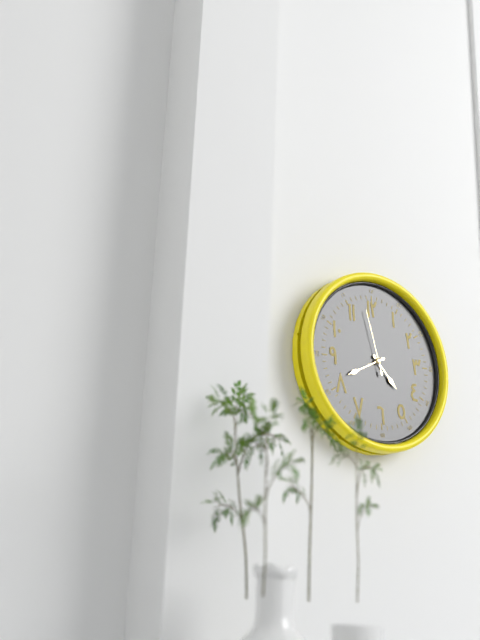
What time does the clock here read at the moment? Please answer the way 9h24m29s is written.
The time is 4h41m58s
